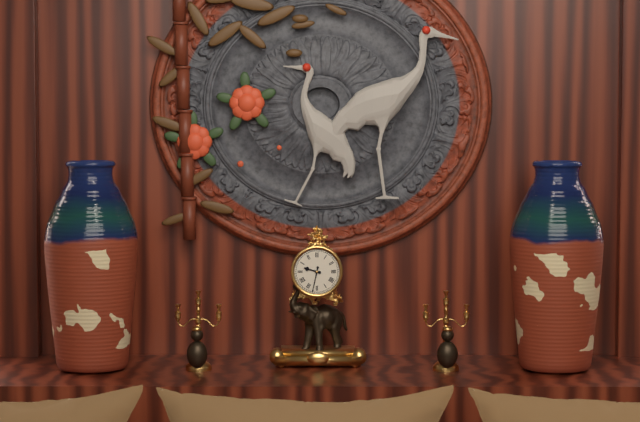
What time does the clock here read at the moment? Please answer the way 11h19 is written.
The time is 9h32
